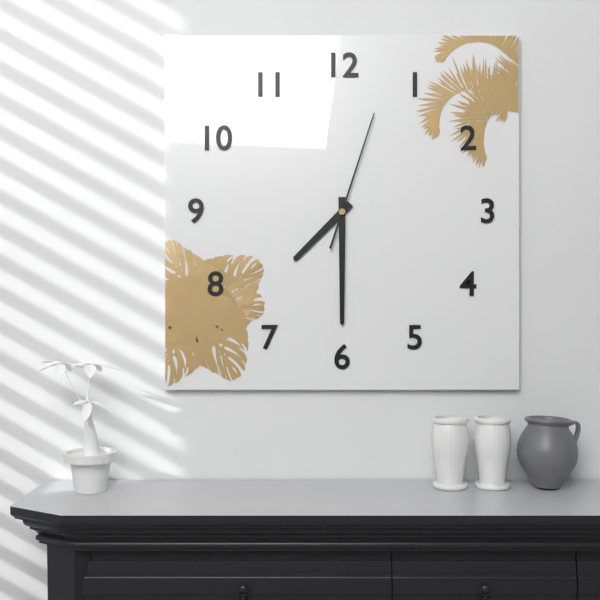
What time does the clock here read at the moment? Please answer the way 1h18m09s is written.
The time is 7h30m03s
